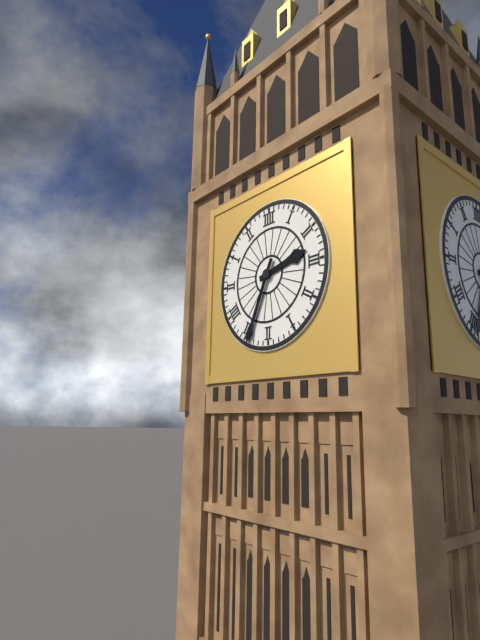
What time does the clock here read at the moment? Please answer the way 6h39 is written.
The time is 2h34
